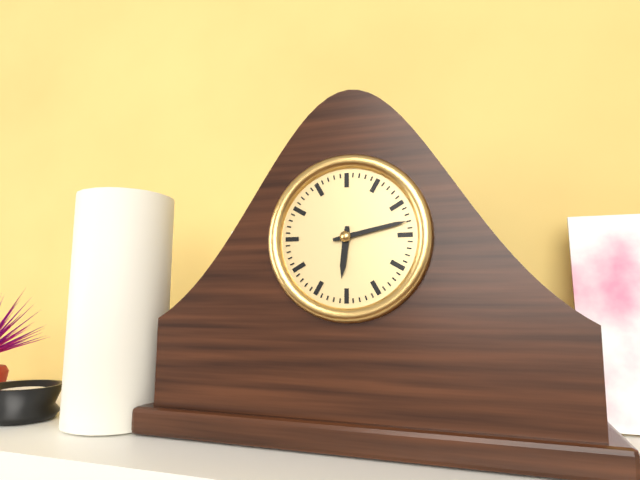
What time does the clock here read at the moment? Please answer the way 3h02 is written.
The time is 6h13
